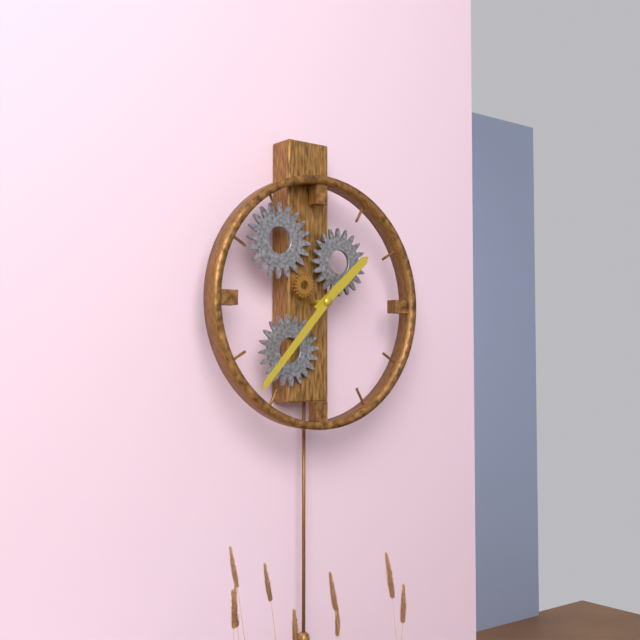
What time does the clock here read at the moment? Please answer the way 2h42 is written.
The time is 1h37
